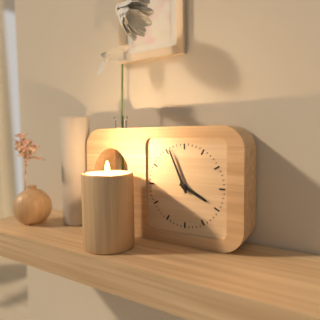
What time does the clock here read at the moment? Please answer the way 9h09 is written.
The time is 3h56
